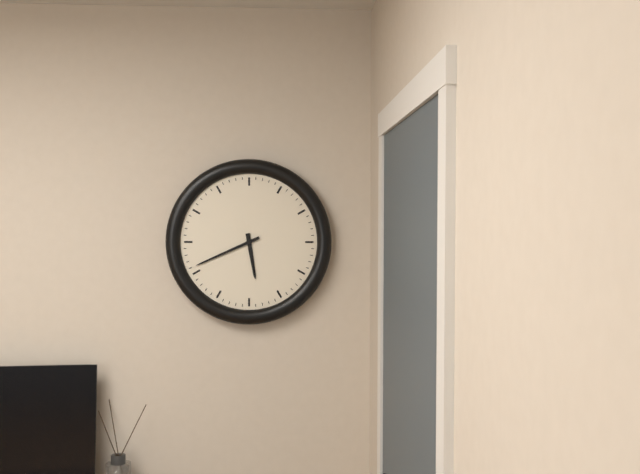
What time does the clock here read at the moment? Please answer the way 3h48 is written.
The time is 5h41
